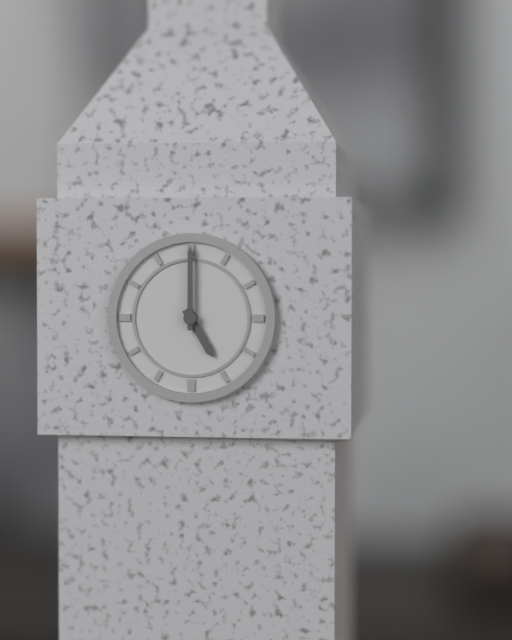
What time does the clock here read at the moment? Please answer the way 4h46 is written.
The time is 5h00
